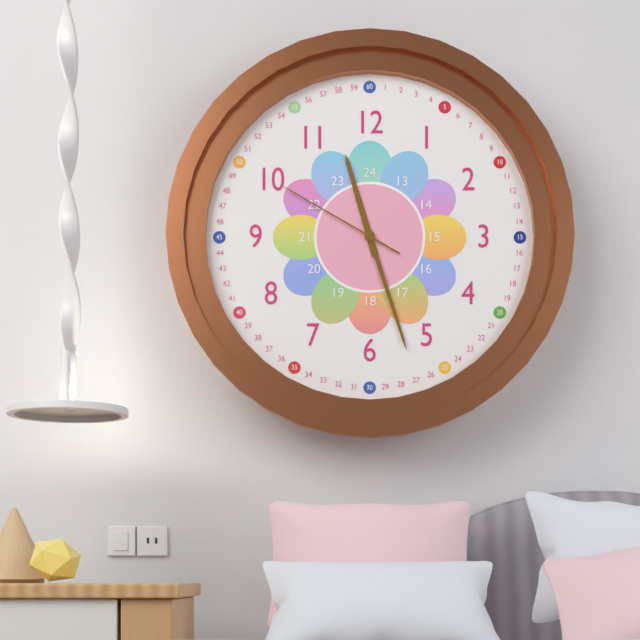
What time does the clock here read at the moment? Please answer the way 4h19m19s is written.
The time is 11h27m50s
